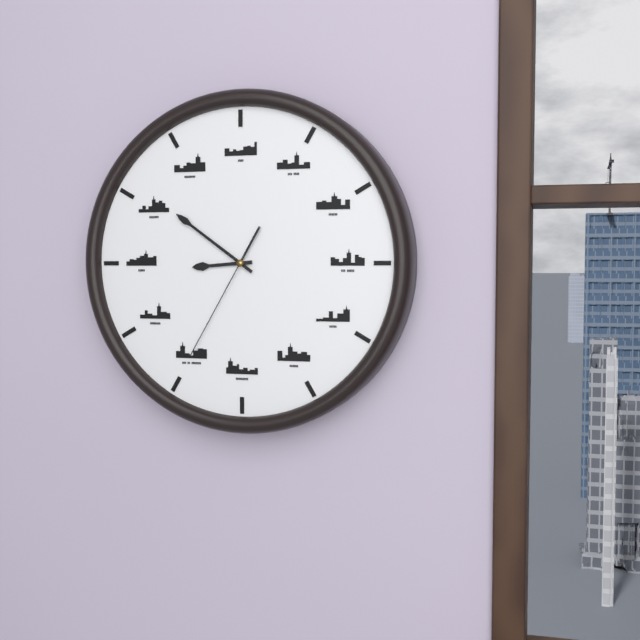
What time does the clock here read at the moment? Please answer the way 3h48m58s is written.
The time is 8h51m35s
